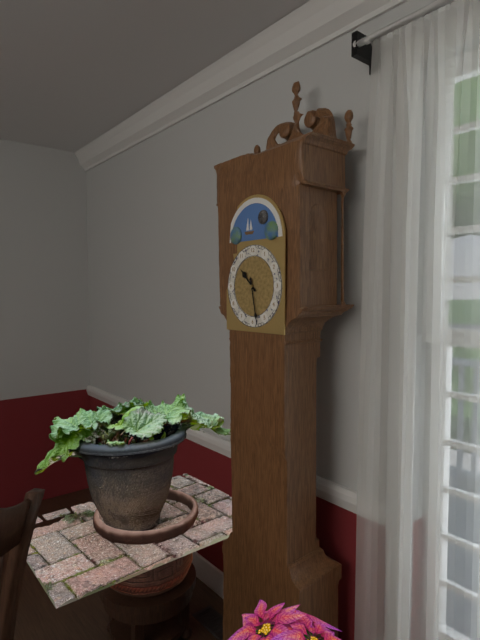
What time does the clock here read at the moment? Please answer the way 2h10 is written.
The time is 10h28
